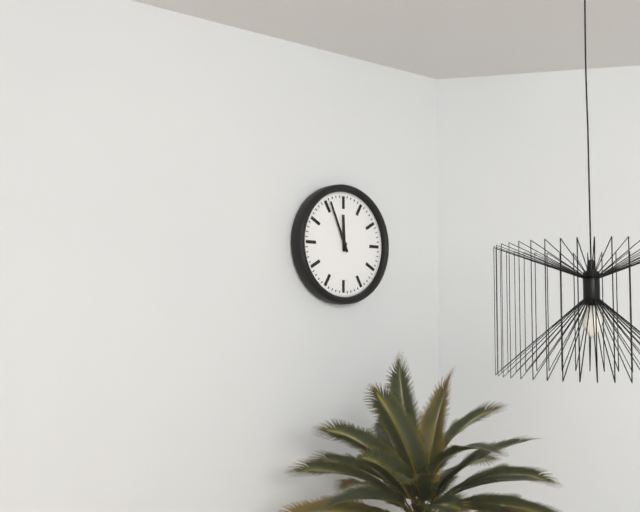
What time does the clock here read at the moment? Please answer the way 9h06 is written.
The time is 11h56
